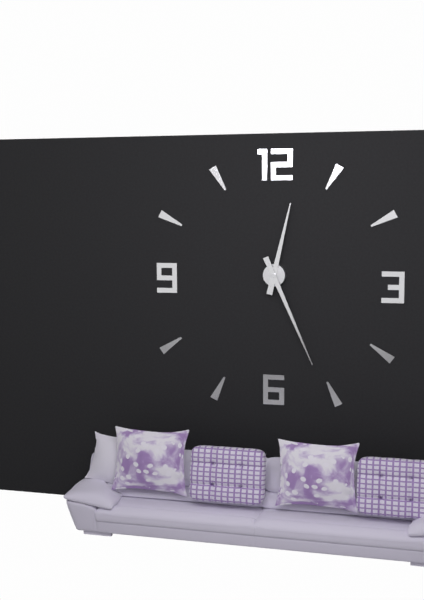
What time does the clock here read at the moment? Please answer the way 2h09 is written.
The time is 12h26
